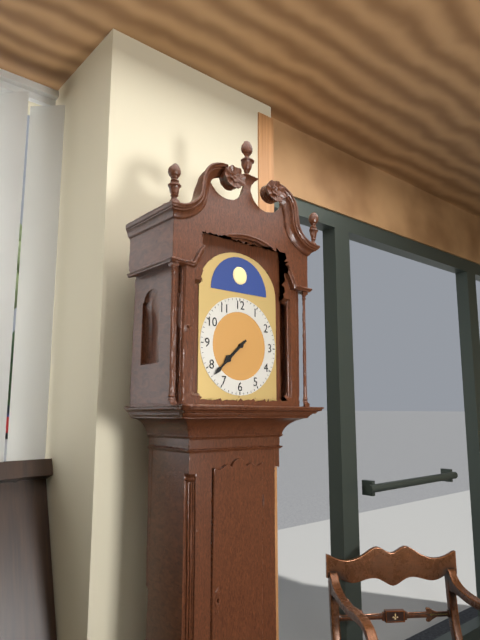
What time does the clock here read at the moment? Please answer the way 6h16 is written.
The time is 7h38
